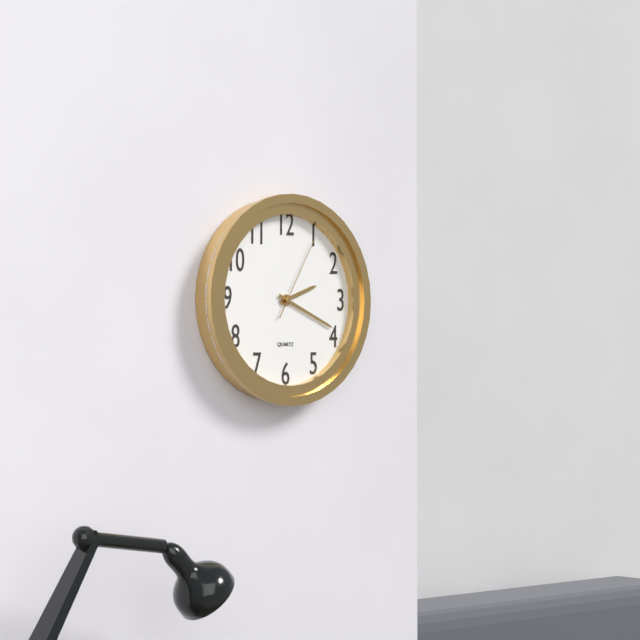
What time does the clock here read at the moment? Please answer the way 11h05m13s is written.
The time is 2h19m05s
